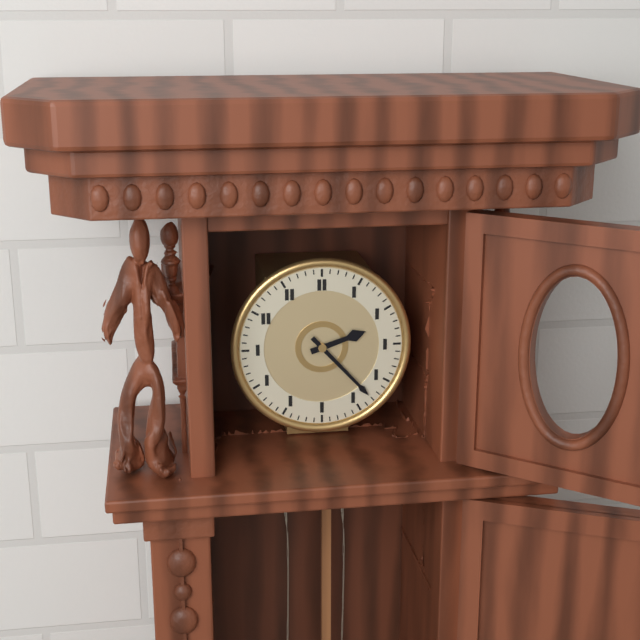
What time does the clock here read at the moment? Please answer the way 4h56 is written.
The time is 2h23
